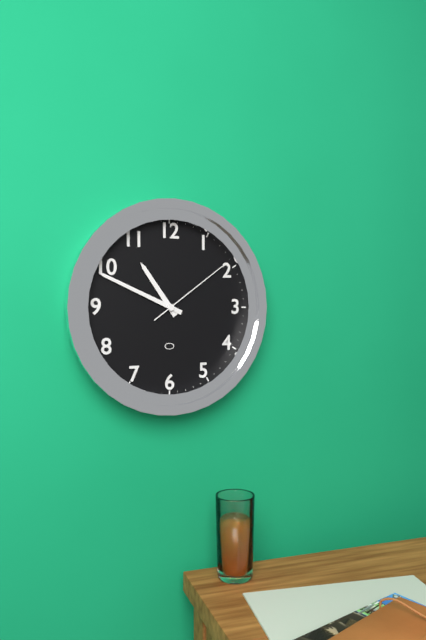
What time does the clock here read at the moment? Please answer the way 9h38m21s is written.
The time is 10h49m09s
